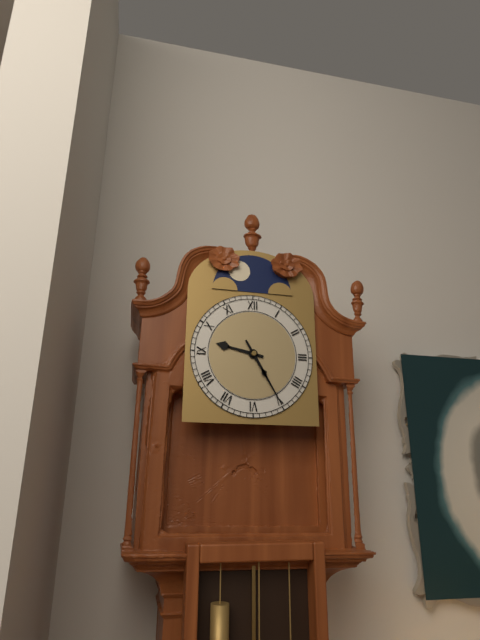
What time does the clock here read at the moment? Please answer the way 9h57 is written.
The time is 9h25
